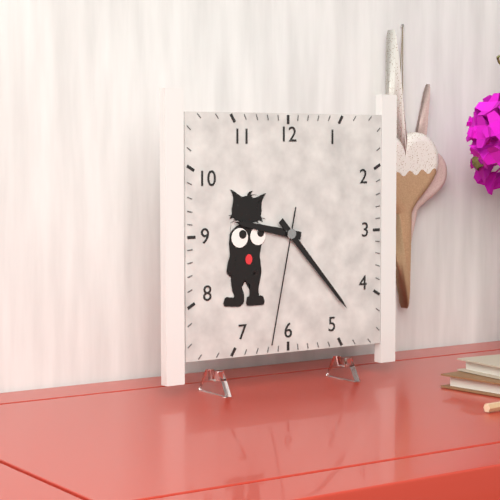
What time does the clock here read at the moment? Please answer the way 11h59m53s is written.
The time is 9h23m32s
